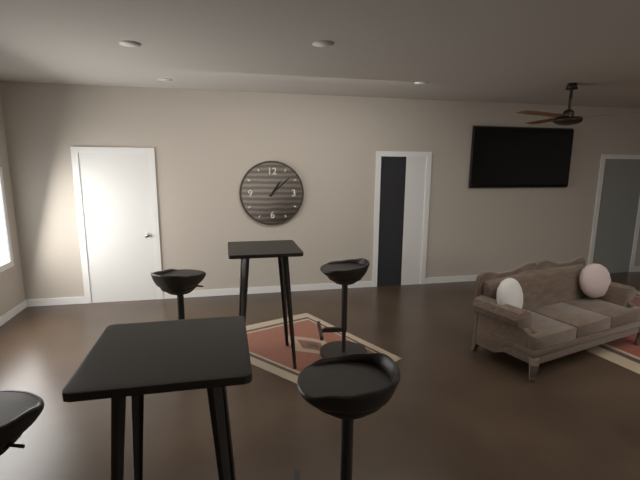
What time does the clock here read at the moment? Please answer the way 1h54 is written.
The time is 1h08
